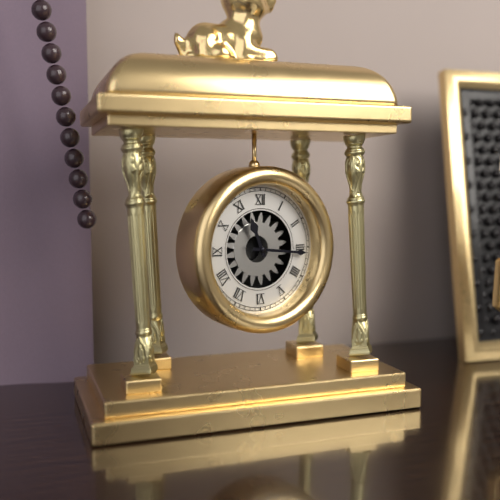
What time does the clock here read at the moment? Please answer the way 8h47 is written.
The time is 11h16
